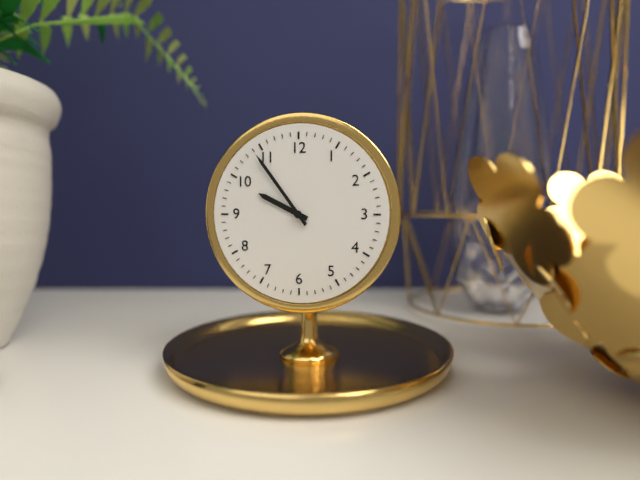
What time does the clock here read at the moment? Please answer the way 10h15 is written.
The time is 9h54
